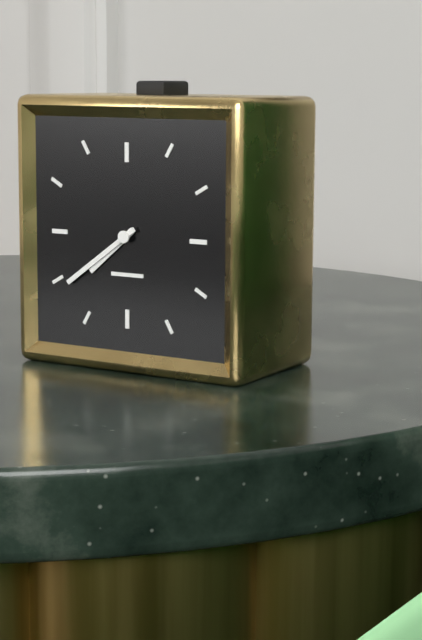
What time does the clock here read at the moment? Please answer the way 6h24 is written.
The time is 7h39
